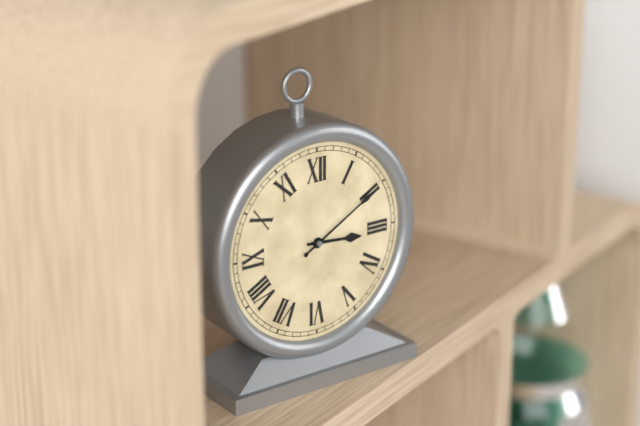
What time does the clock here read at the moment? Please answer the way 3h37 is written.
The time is 3h10
